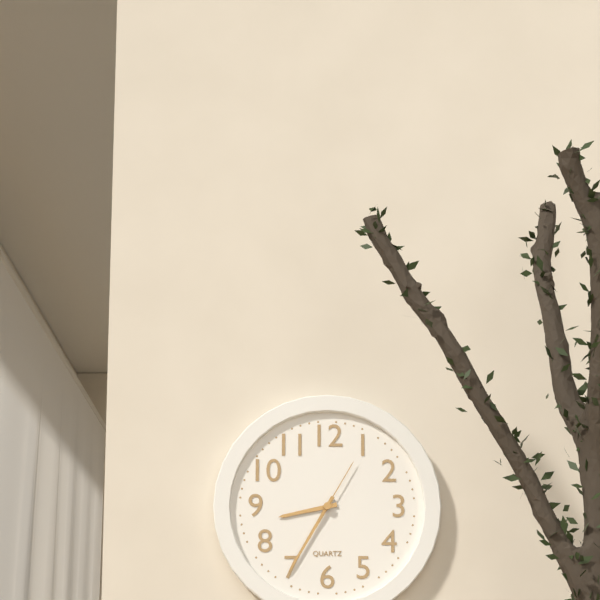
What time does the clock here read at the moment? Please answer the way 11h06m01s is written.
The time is 8h35m05s
